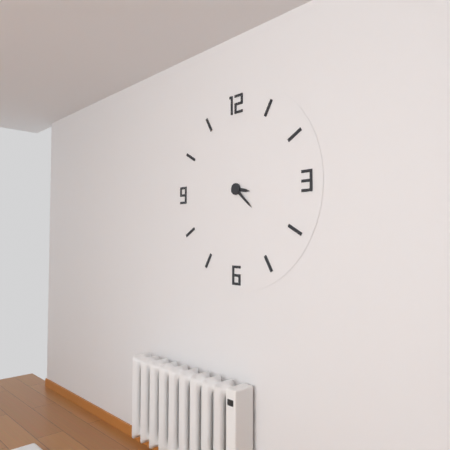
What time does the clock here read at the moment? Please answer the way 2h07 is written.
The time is 3h22
